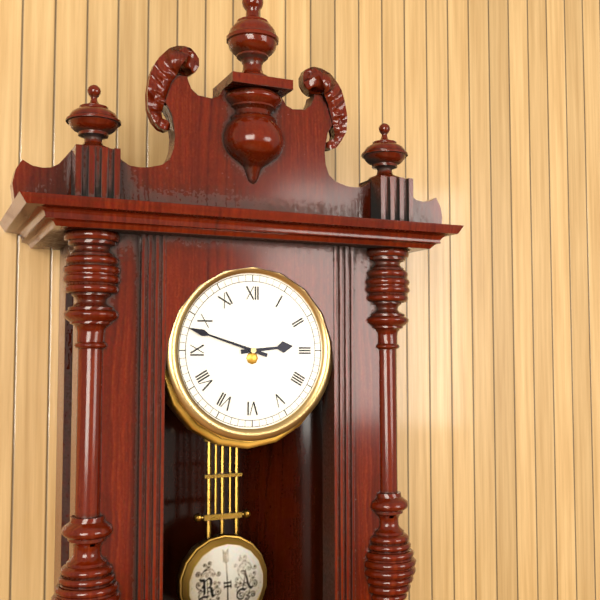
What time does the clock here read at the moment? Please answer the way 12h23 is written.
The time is 2h48
